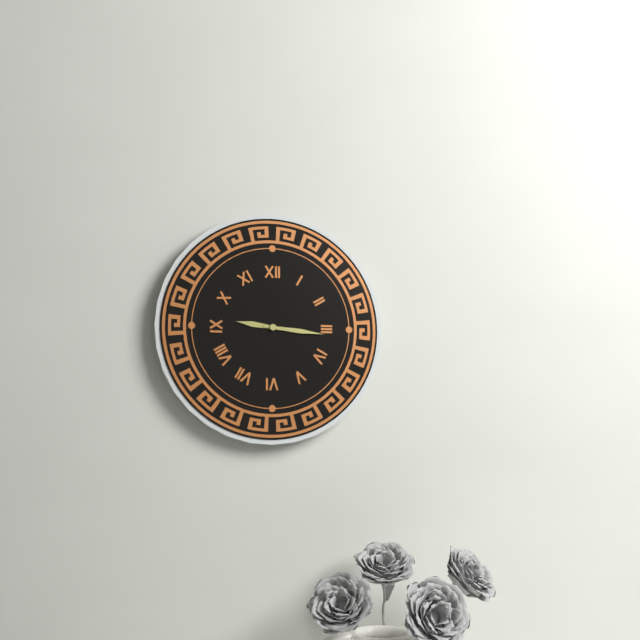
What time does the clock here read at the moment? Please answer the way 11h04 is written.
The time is 9h16
